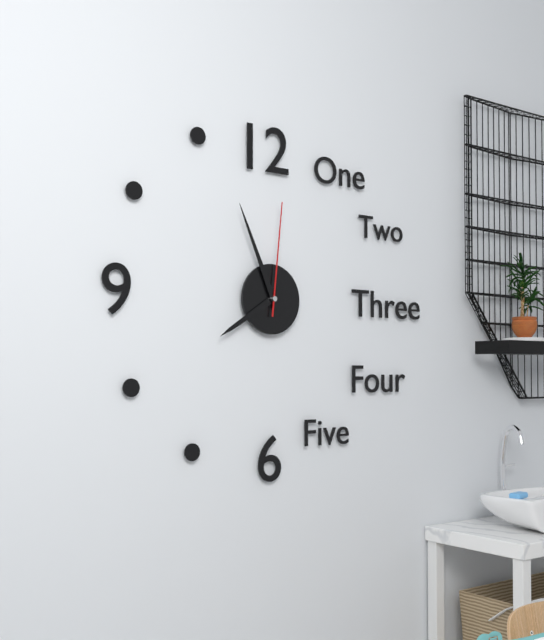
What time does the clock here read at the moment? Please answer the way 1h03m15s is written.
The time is 7h56m01s
